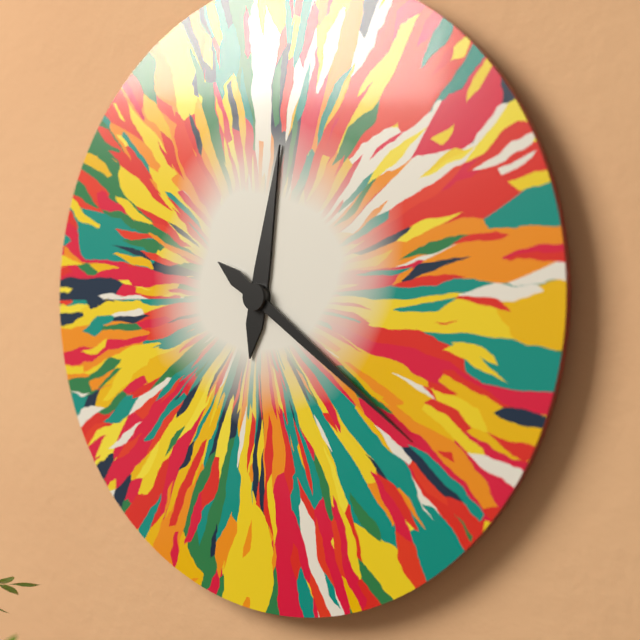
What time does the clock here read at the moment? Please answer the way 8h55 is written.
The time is 12h21
